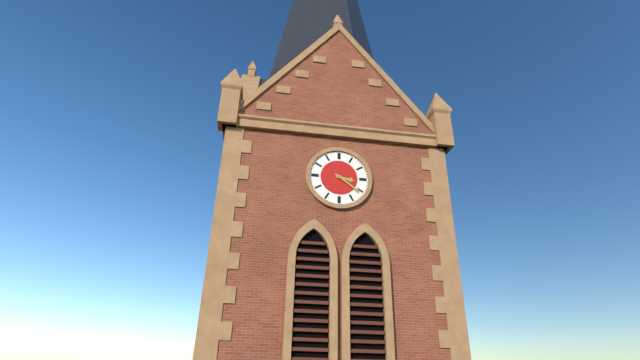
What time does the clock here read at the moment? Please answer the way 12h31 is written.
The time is 3h21
